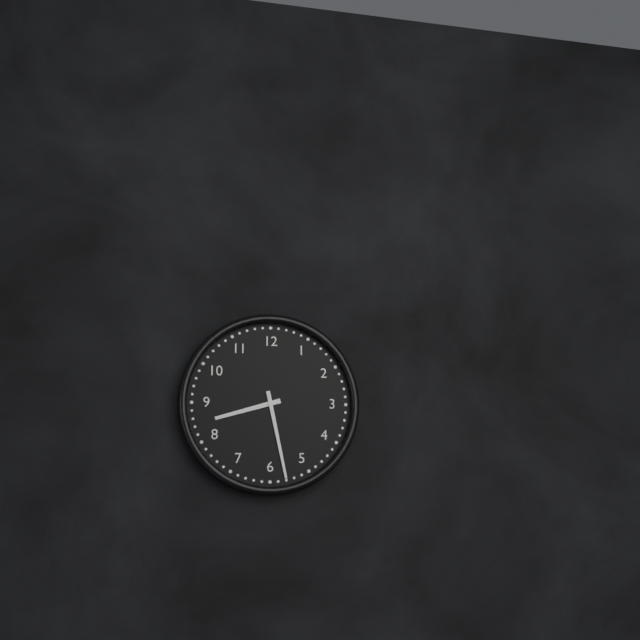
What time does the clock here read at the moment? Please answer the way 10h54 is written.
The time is 8h28
